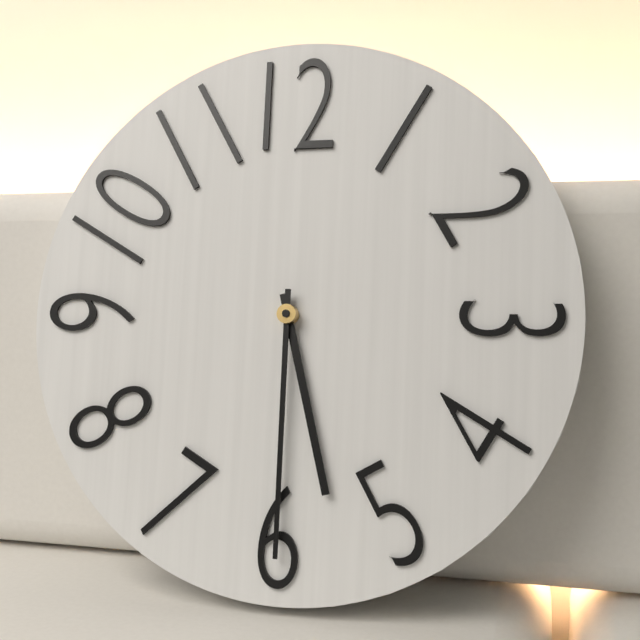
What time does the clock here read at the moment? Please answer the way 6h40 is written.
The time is 5h30
